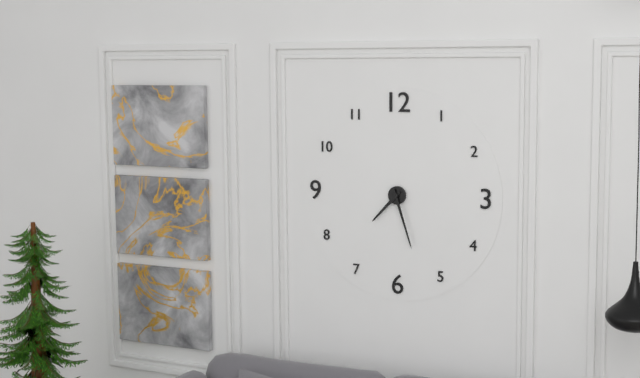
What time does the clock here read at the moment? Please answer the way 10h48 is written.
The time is 7h27
